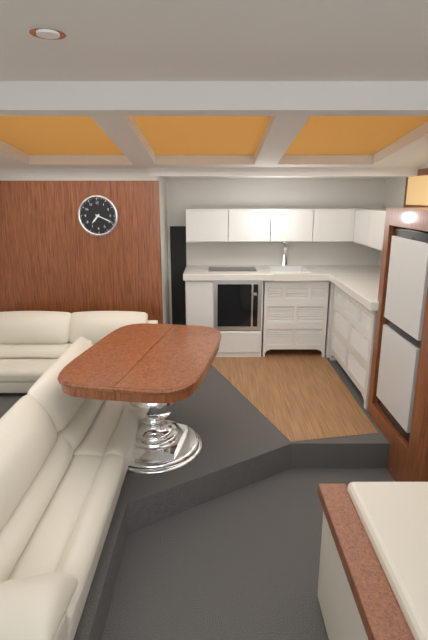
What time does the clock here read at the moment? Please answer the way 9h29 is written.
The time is 7h19
